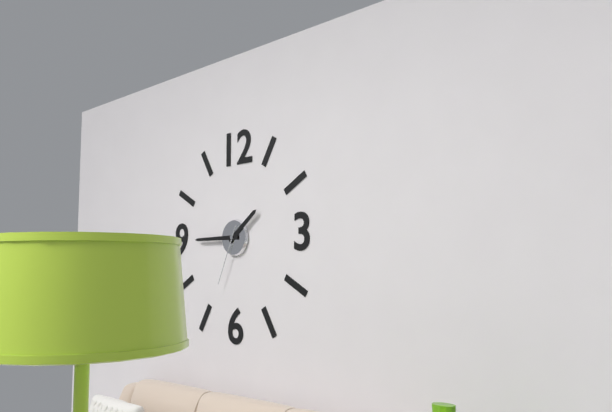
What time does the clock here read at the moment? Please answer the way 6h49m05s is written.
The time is 1h45m34s
